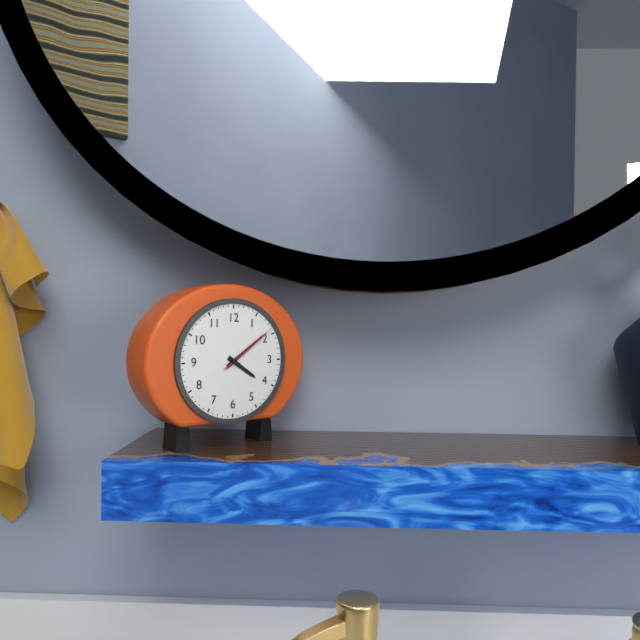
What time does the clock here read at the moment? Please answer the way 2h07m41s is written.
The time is 4h09m09s
